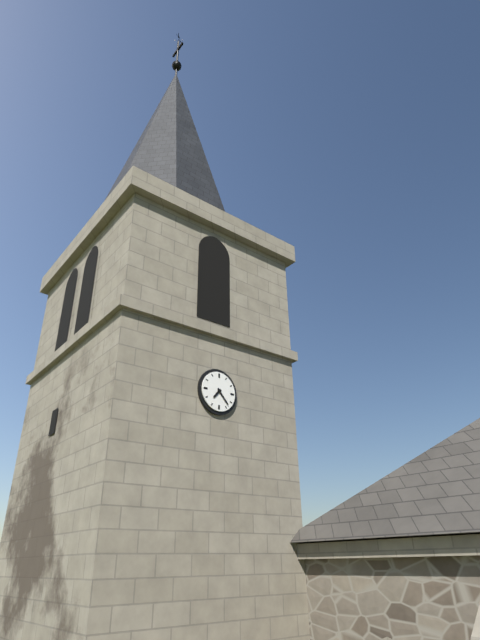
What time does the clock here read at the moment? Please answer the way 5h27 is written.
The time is 7h23
